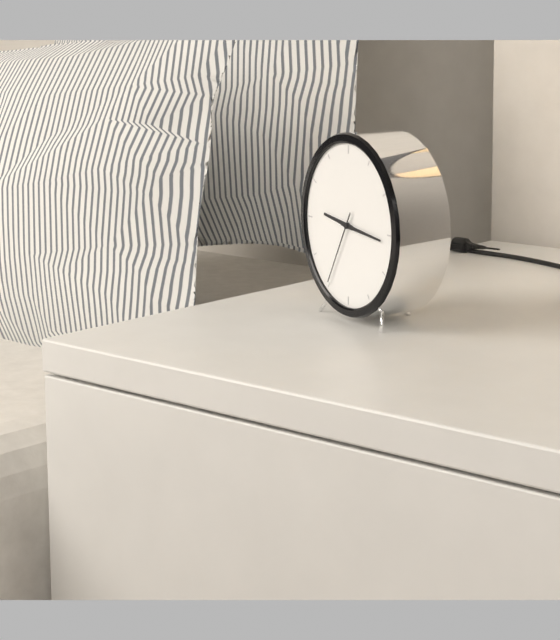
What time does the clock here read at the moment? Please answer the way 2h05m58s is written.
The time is 9h16m35s
